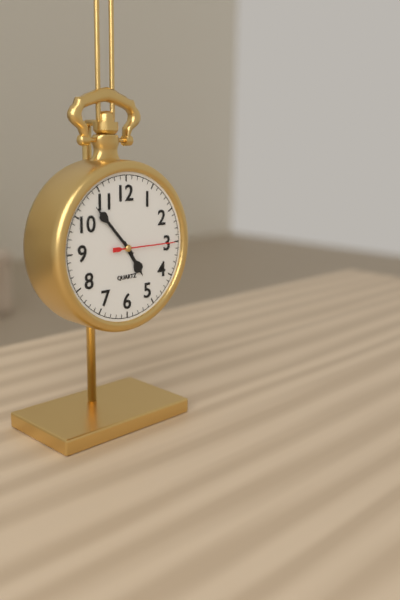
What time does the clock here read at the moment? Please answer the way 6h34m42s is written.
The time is 4h53m15s
